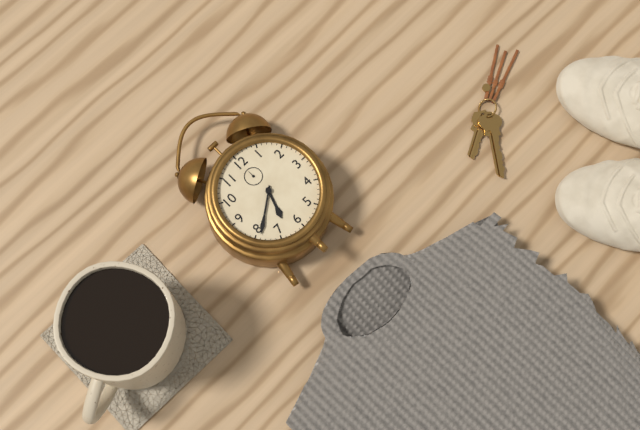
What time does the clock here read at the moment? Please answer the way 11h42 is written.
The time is 6h39
